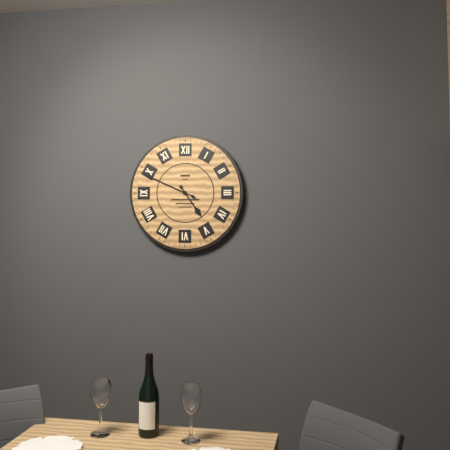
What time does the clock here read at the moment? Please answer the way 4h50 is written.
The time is 4h49
